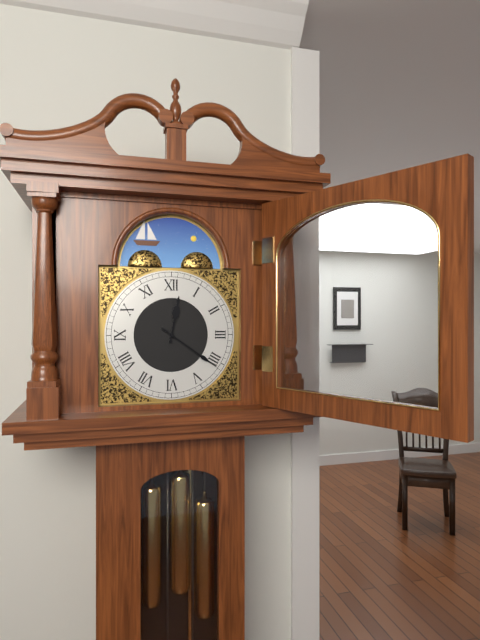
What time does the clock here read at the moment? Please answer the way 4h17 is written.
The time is 12h21
